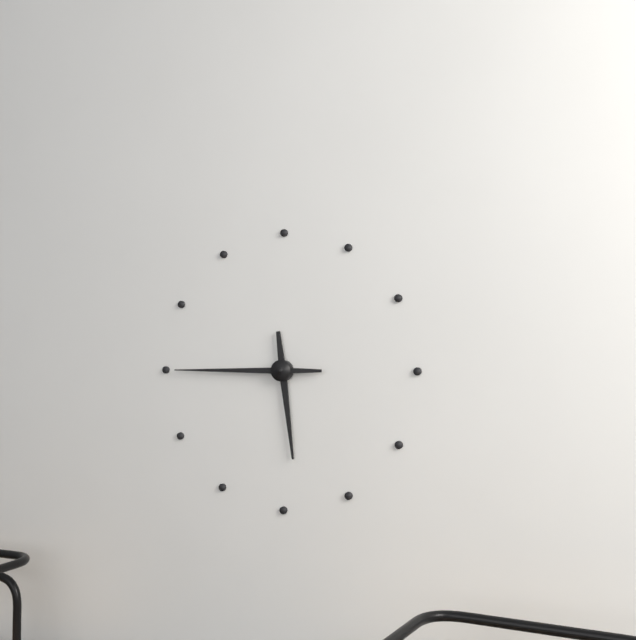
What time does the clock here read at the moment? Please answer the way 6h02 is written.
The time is 5h45
